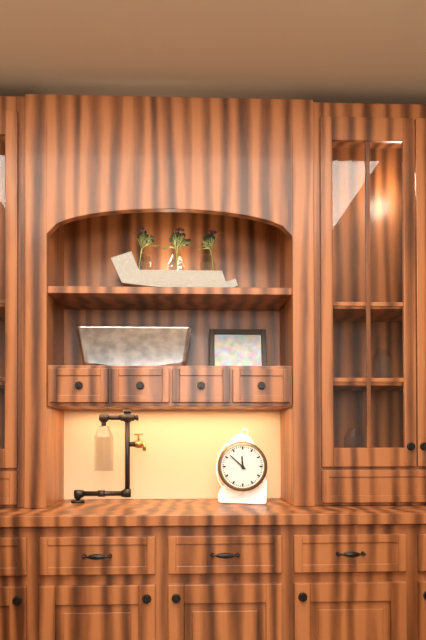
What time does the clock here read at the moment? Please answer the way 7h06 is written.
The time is 11h52
